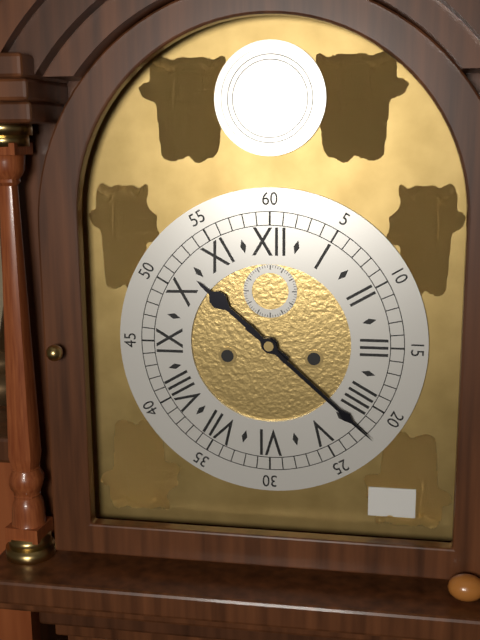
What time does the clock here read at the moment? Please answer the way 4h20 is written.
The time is 10h22
